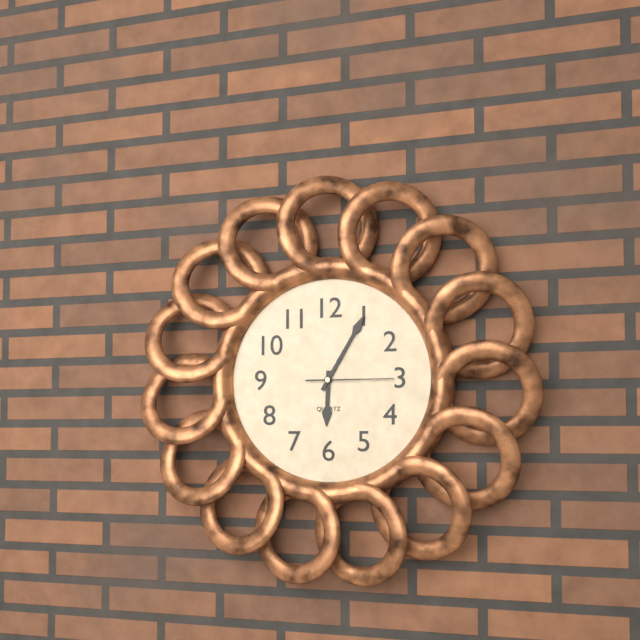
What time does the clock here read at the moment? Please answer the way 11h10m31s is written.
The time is 6h05m15s
